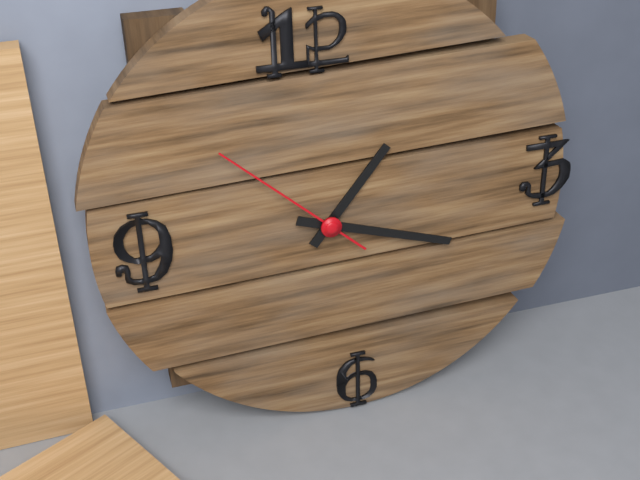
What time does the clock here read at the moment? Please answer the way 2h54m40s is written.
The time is 1h18m52s
